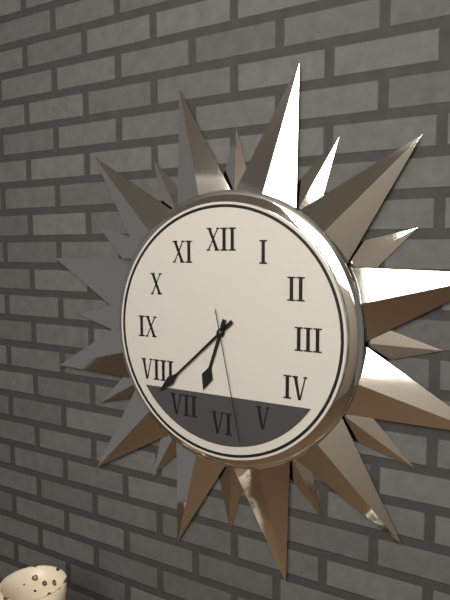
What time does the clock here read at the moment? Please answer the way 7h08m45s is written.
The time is 6h38m28s
